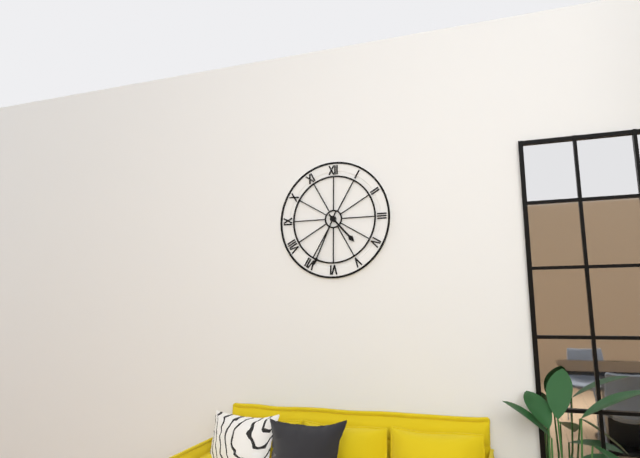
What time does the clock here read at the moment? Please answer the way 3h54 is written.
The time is 4h34
